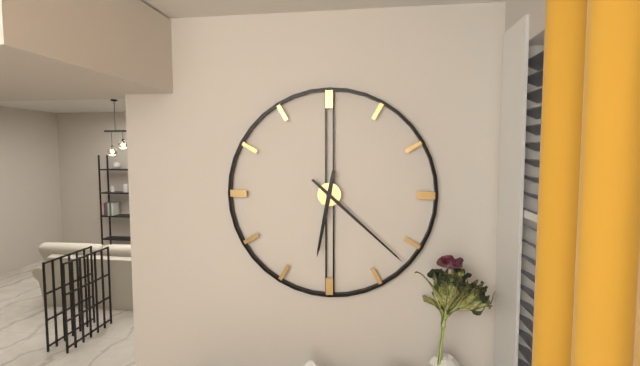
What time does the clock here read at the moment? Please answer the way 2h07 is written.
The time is 6h22
